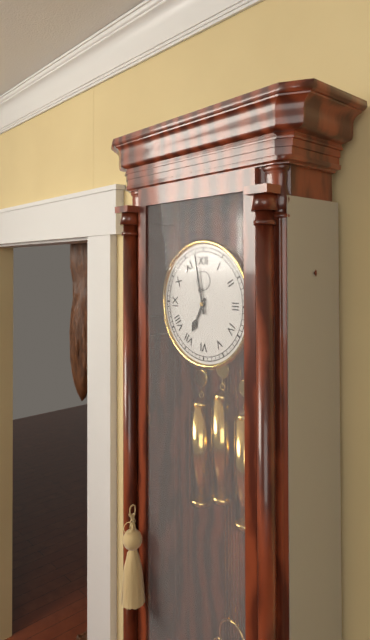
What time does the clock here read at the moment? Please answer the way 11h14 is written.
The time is 6h58
